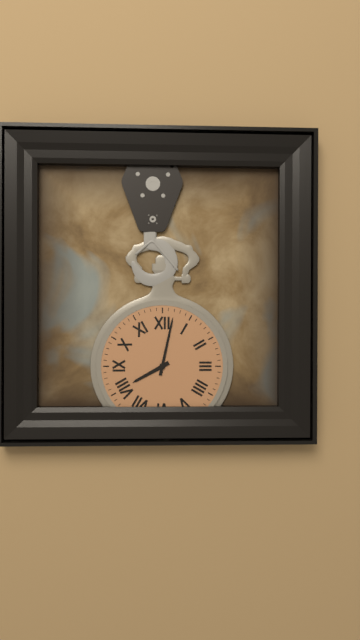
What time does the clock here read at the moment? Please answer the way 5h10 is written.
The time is 8h02
